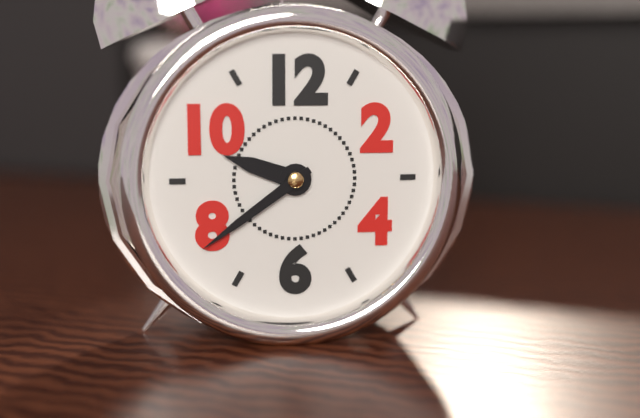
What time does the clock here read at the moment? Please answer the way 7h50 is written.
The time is 9h39
